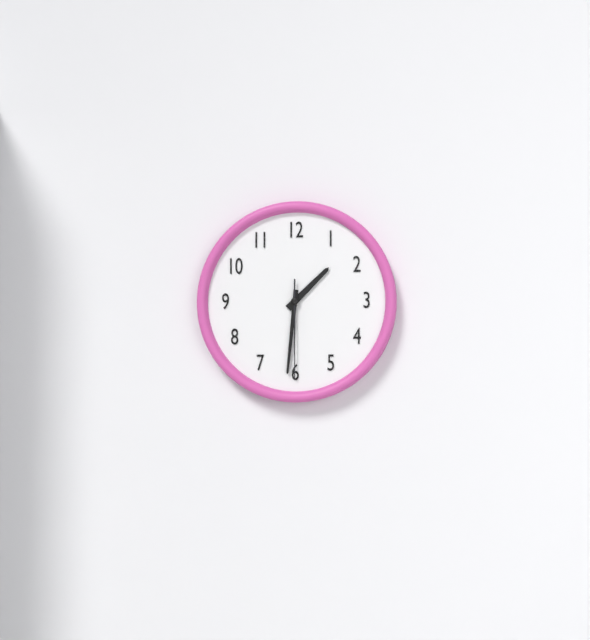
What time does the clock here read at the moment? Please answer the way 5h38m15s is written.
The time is 1h31m30s
